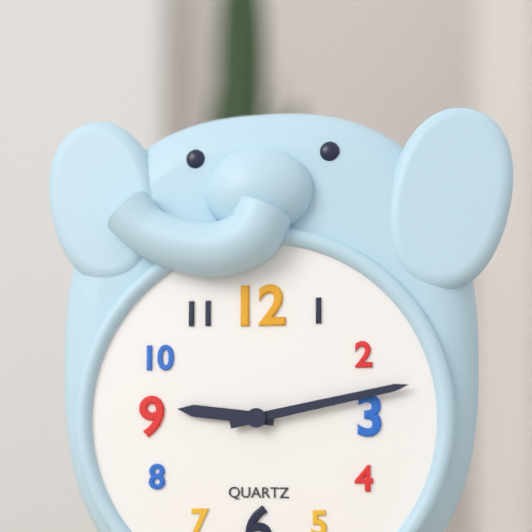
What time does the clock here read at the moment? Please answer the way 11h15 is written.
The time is 9h13
